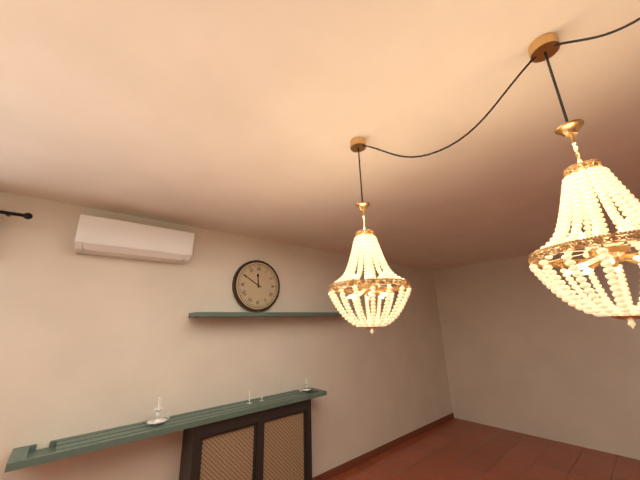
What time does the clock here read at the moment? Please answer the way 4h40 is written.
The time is 11h50
